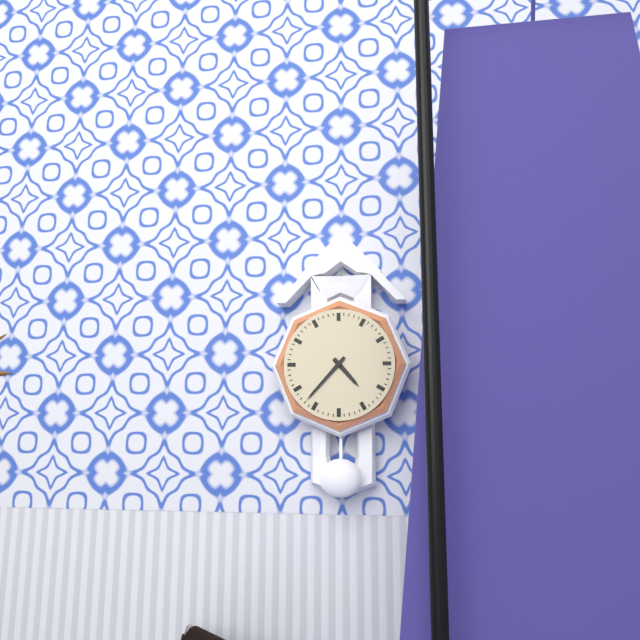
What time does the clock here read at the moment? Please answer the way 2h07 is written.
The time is 4h37
